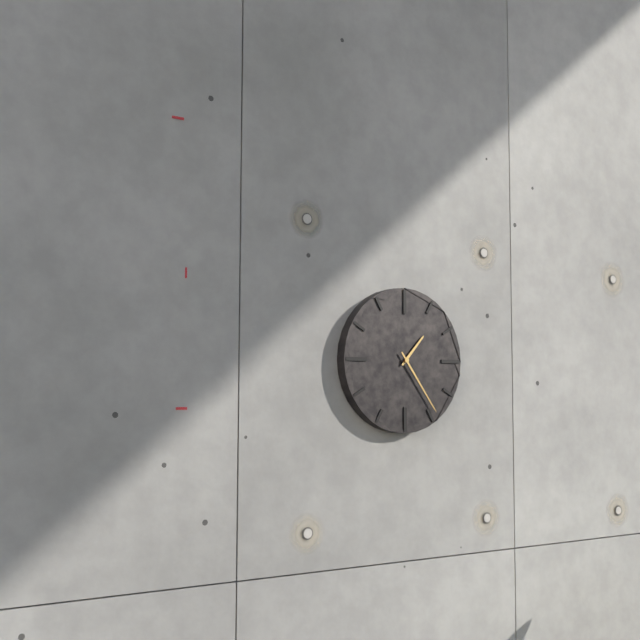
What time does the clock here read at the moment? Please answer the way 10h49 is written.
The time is 1h24
